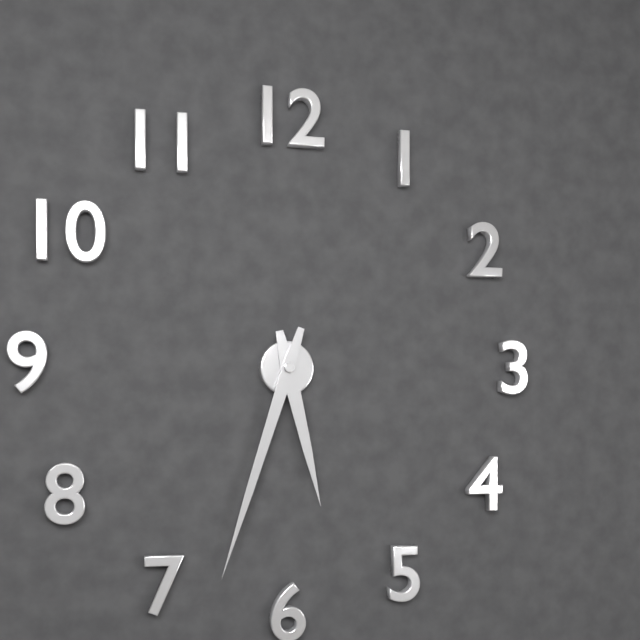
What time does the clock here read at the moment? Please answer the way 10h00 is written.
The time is 5h33
